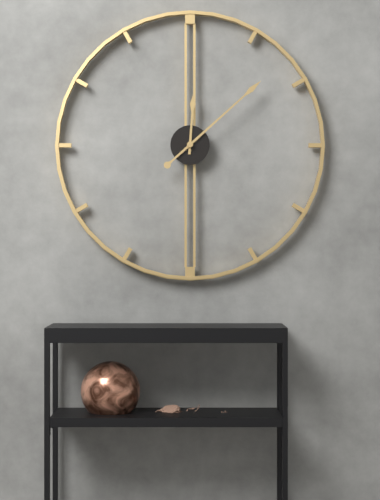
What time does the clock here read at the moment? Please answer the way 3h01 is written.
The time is 12h08
